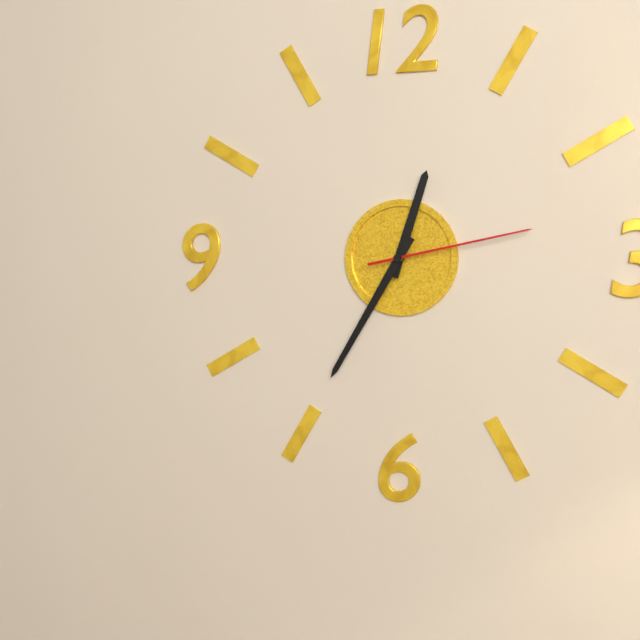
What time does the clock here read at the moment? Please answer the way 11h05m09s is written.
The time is 12h35m13s
